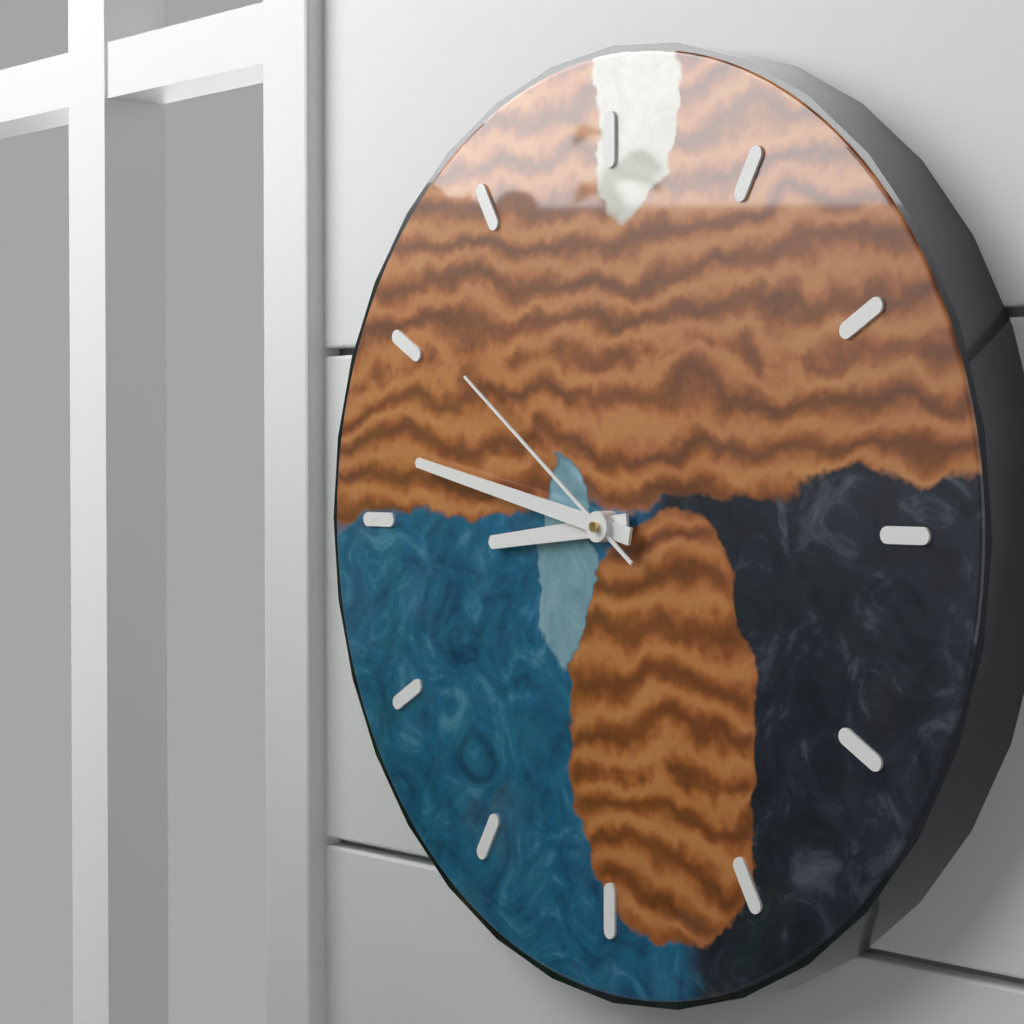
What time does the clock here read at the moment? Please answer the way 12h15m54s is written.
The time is 8h47m51s
